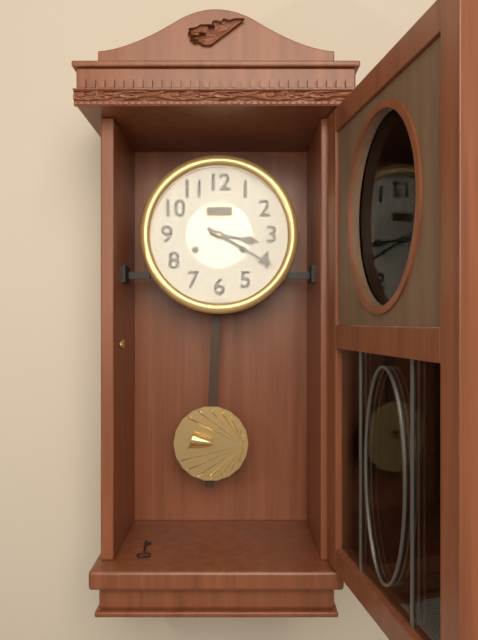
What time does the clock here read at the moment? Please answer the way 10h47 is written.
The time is 3h20
